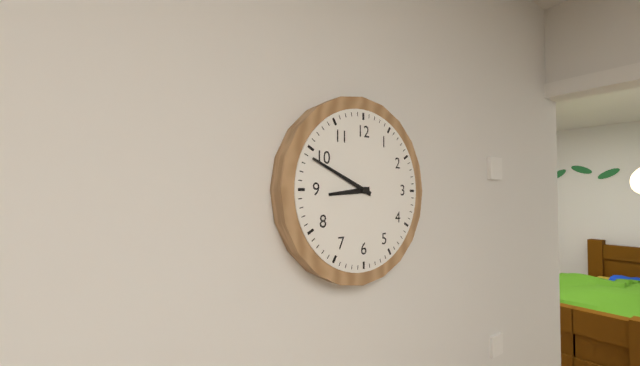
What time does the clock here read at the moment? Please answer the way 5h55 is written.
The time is 8h49
